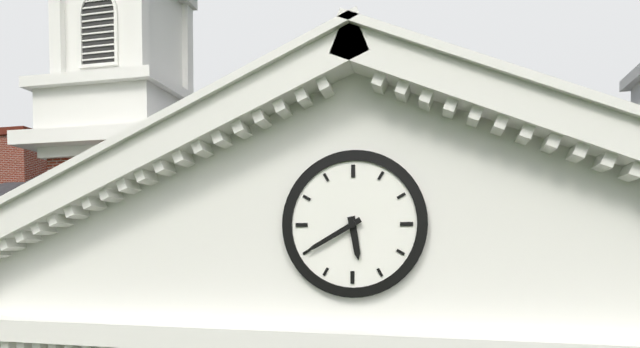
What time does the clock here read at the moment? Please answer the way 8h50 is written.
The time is 5h40
